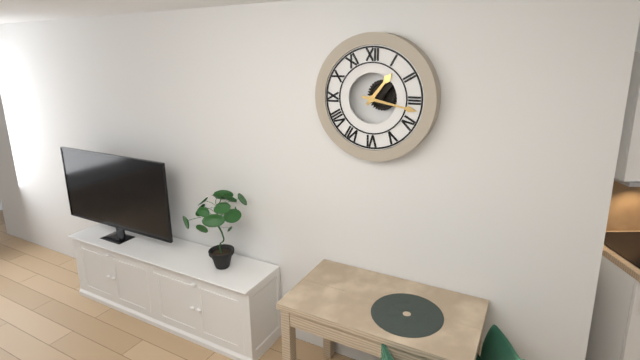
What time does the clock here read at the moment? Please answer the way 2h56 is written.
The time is 1h17
